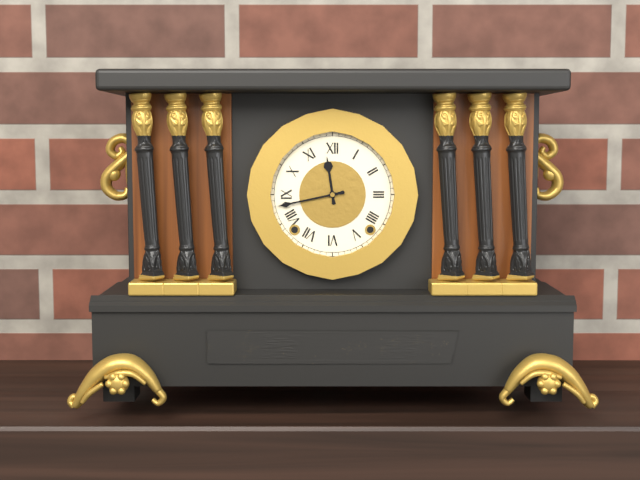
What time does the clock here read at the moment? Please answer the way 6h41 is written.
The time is 11h43
